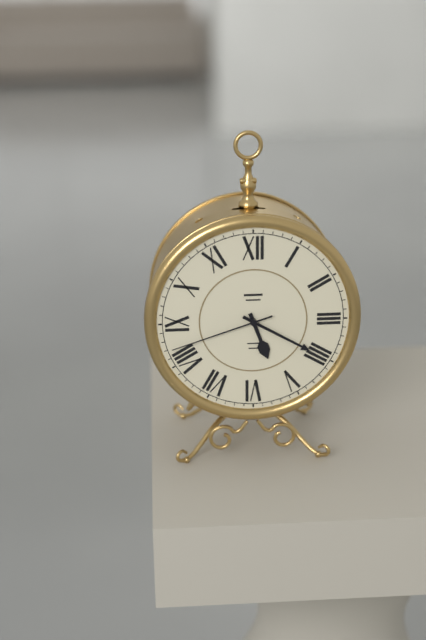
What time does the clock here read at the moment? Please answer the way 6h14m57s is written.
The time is 5h20m42s
